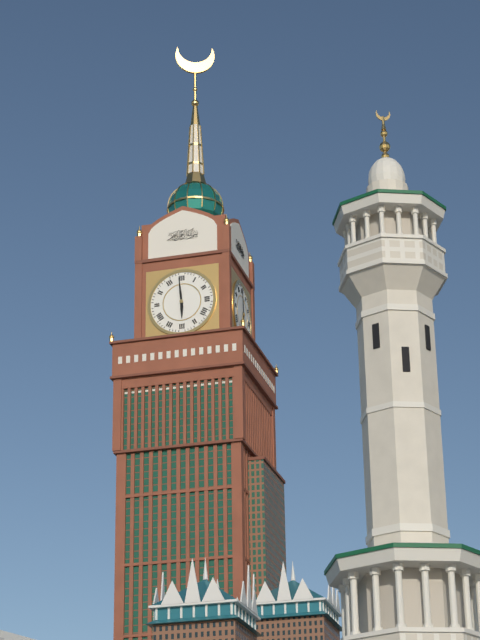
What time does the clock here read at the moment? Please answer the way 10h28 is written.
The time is 5h59
